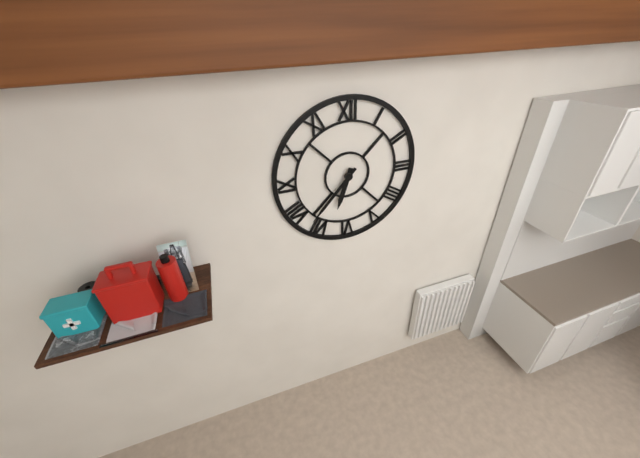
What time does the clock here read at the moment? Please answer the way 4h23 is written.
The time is 6h37
